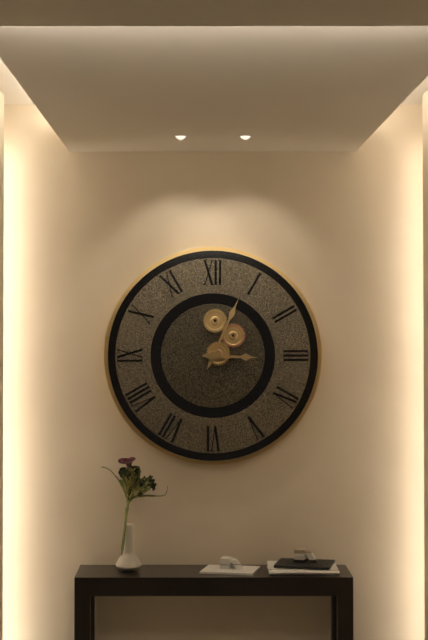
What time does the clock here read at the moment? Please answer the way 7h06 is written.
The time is 3h04
